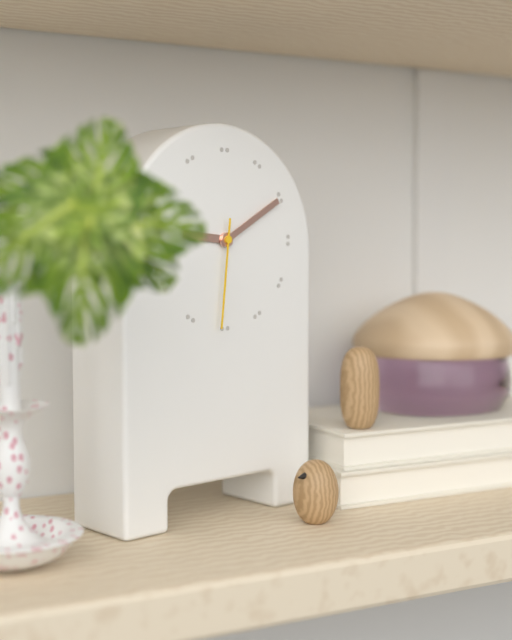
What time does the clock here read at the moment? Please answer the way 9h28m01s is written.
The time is 9h10m31s
